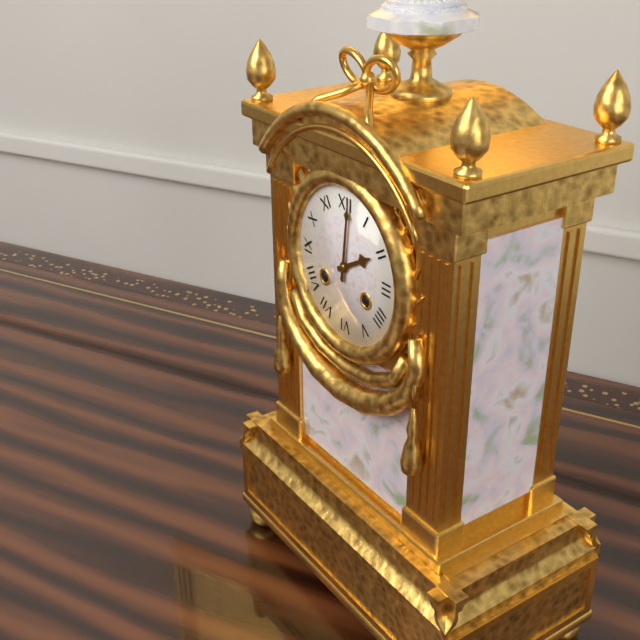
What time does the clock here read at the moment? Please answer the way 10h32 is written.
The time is 2h01
